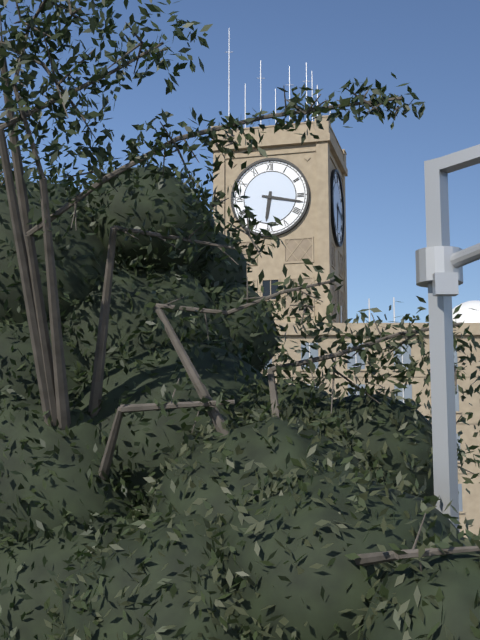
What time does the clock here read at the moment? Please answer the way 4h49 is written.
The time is 6h17
